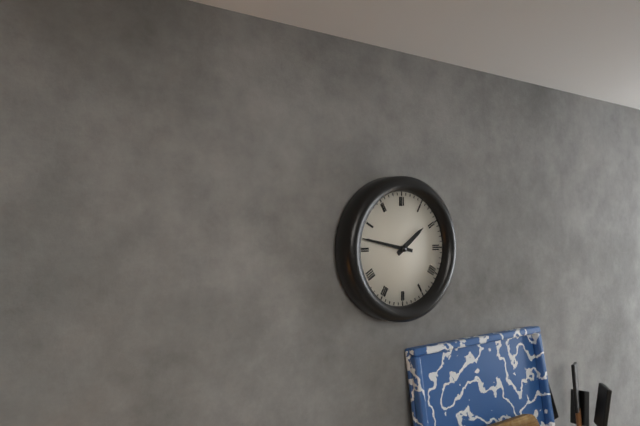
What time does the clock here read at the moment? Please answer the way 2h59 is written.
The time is 1h47
